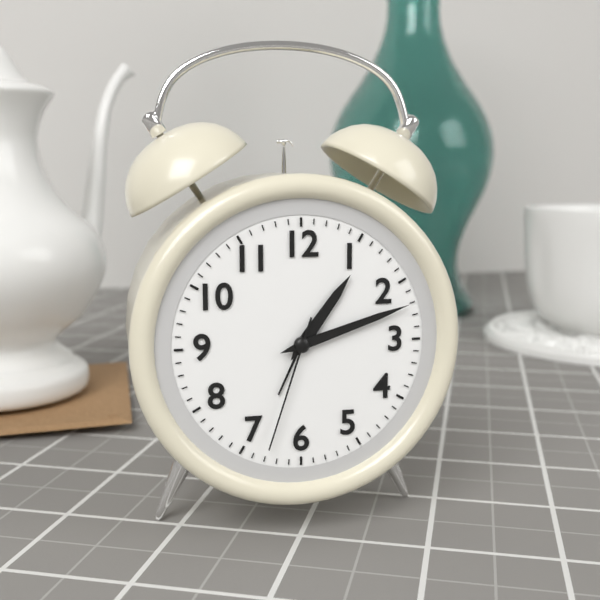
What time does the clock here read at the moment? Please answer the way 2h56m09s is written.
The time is 1h12m33s
